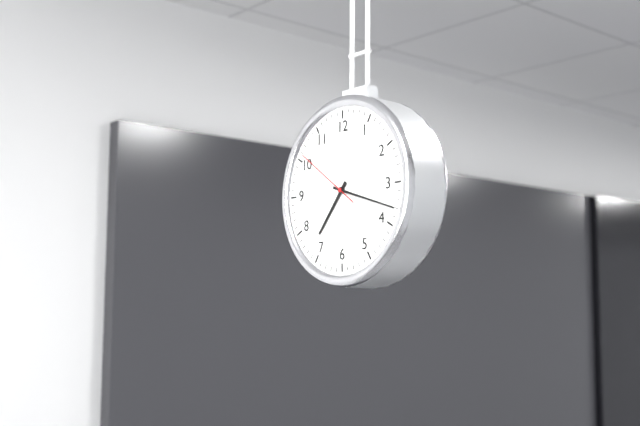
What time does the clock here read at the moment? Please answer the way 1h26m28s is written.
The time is 7h18m51s
